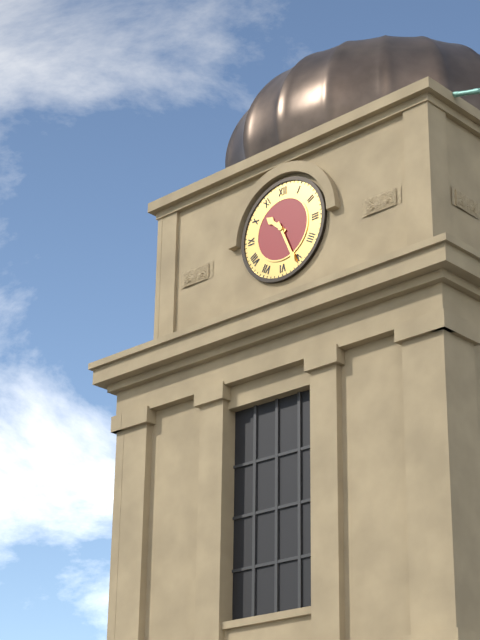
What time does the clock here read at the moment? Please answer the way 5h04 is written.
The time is 10h26
